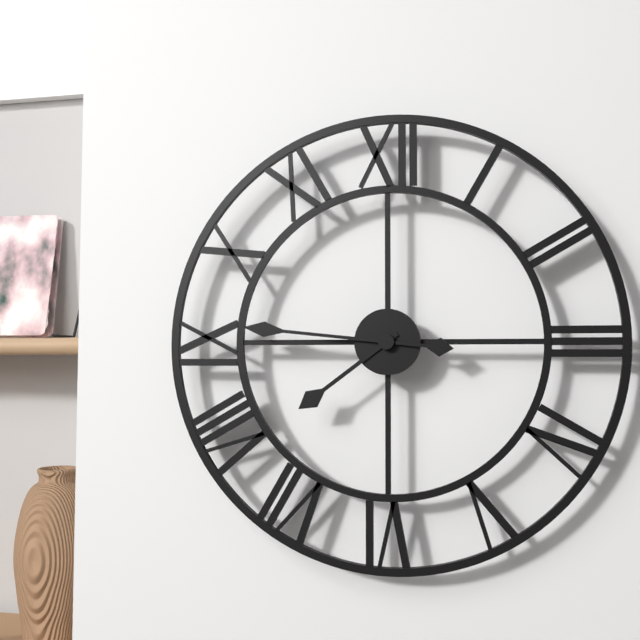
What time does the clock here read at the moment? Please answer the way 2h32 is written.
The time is 7h46
